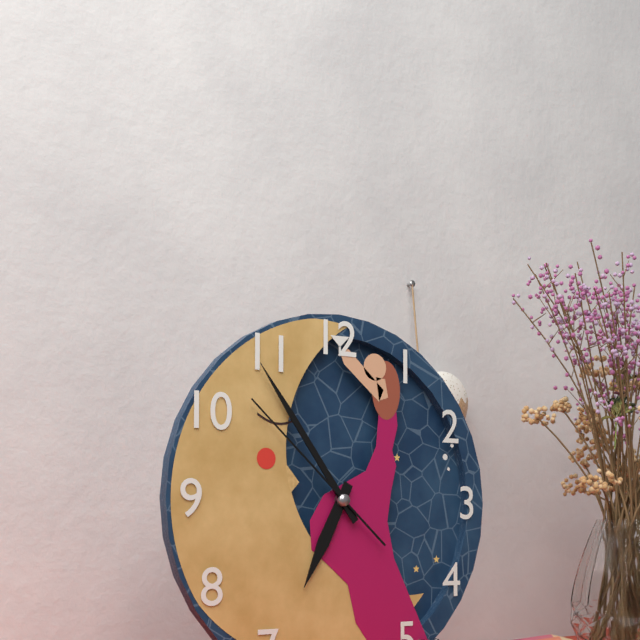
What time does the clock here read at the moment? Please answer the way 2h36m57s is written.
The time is 6h54m52s
